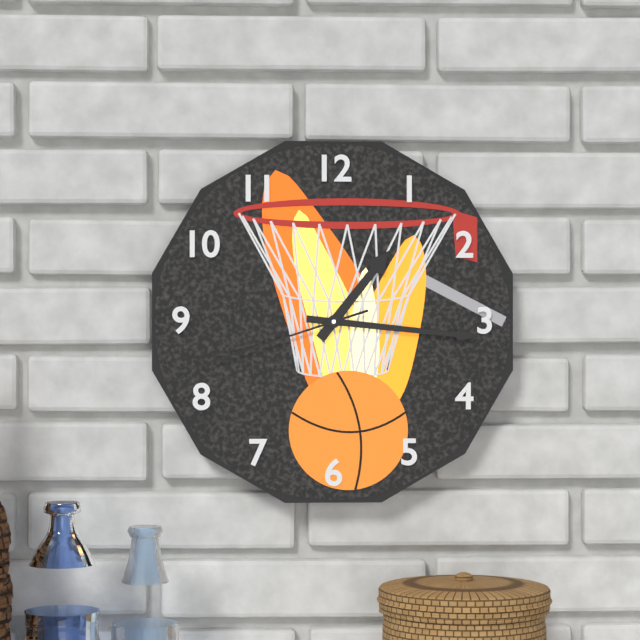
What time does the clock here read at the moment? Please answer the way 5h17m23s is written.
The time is 1h16m42s
